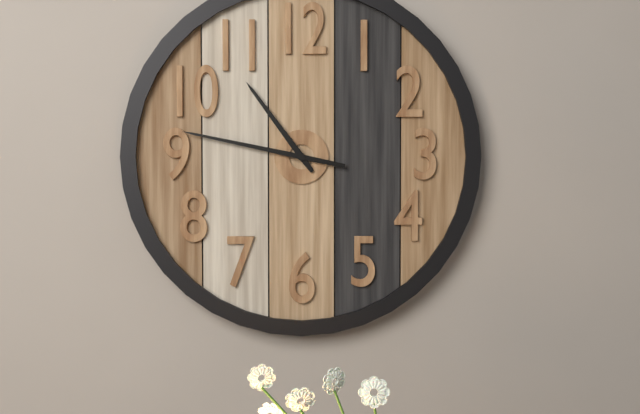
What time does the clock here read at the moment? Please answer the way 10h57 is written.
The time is 10h47
